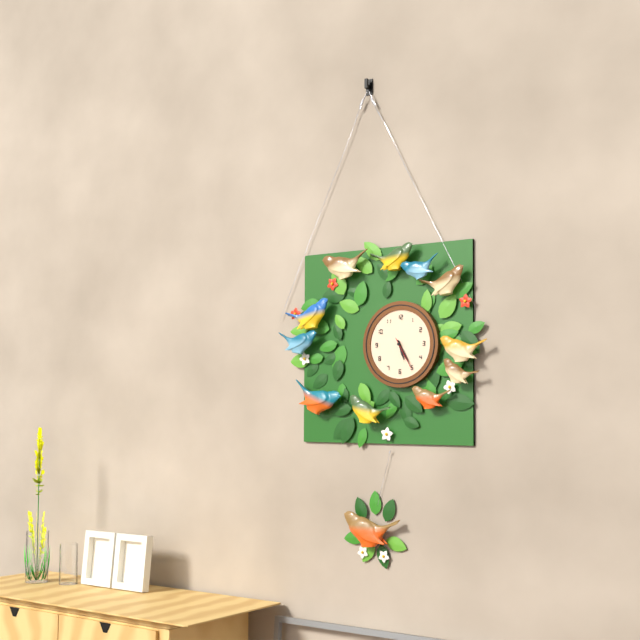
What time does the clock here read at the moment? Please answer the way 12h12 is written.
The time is 5h25
